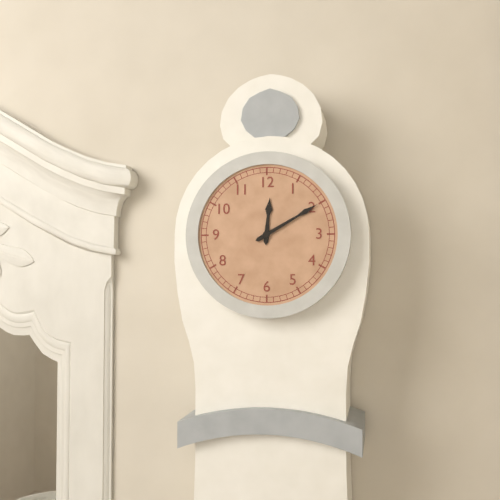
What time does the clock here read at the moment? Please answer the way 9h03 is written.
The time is 12h10
